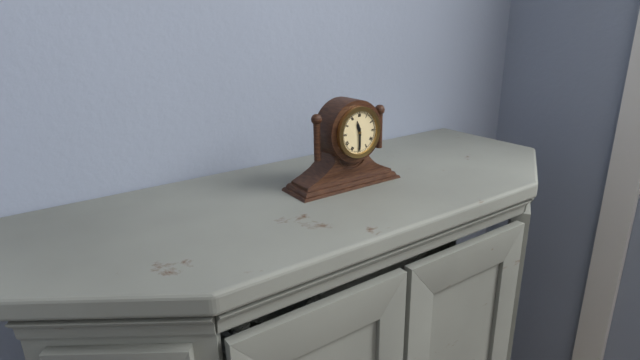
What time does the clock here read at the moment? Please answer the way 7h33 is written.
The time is 11h30
